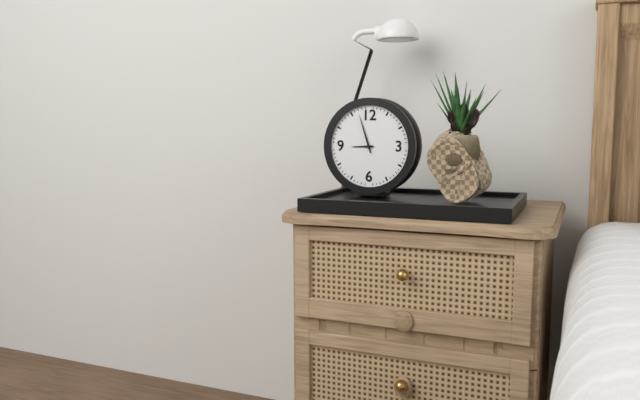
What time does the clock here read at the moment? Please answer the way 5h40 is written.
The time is 8h57
